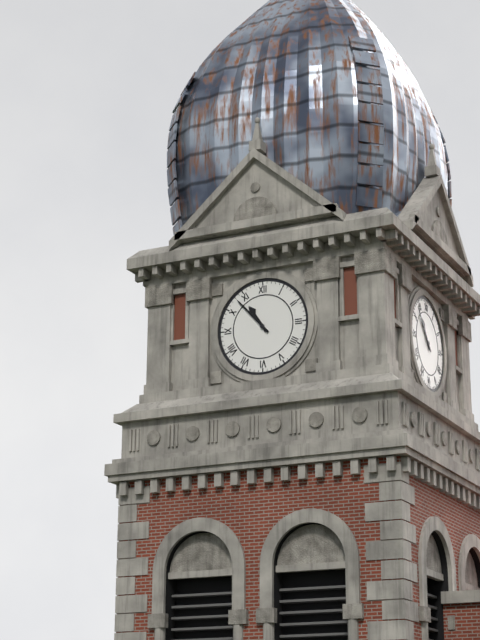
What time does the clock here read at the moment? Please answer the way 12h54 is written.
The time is 10h53
